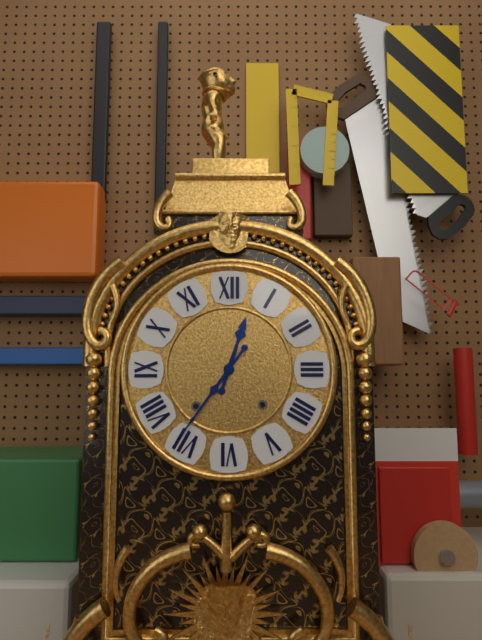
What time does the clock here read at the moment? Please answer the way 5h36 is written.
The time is 12h36
